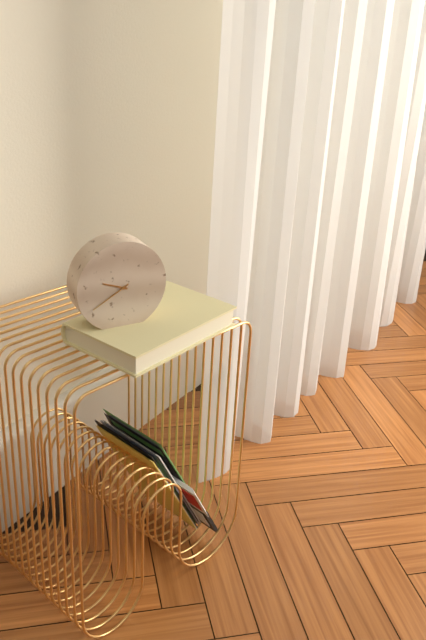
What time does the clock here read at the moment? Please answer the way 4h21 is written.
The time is 9h40
